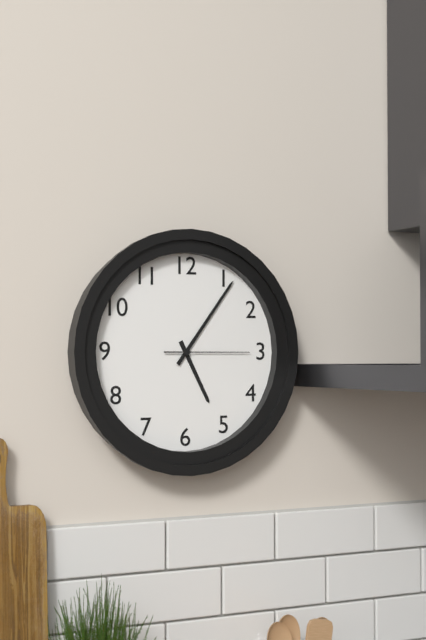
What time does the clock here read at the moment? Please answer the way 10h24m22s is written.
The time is 5h06m15s
